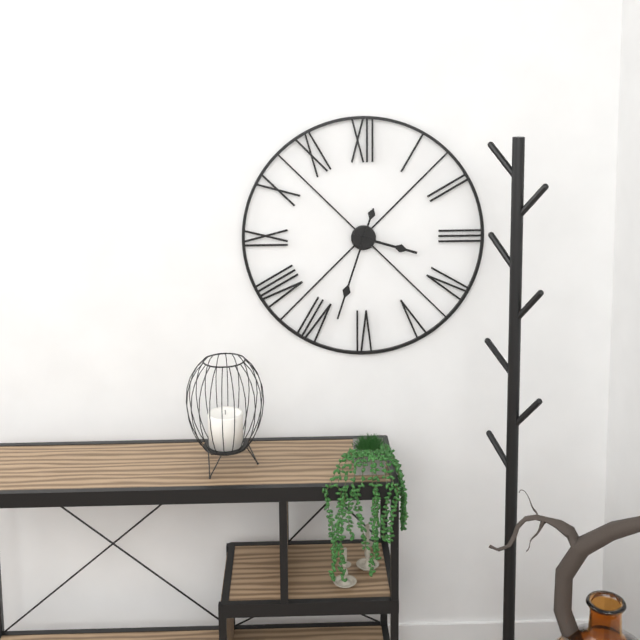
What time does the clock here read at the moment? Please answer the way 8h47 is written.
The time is 3h33
